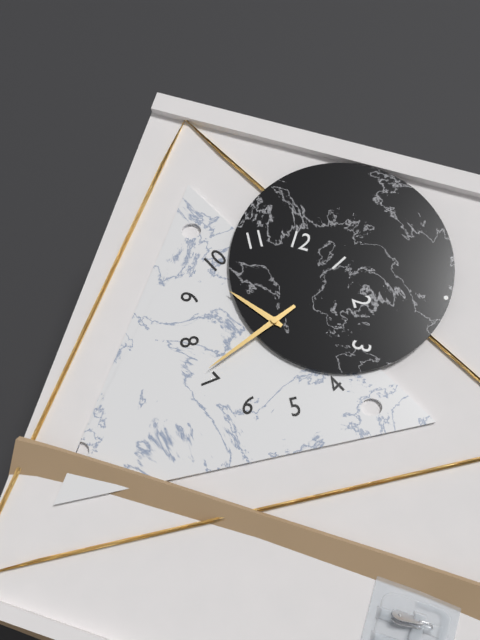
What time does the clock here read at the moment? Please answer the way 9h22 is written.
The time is 9h36
